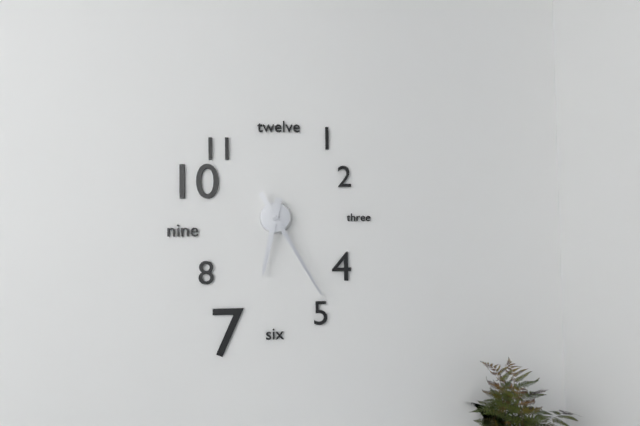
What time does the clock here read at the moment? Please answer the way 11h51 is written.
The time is 6h25
